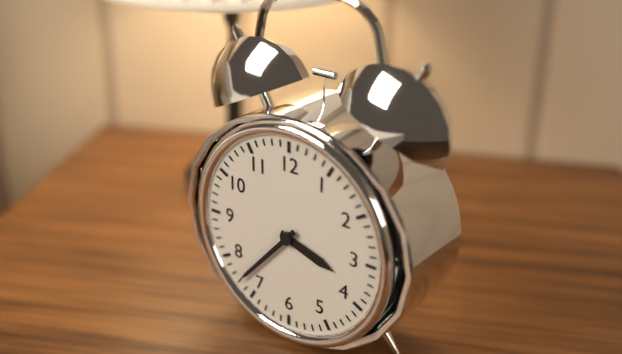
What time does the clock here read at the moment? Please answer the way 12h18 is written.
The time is 3h37
